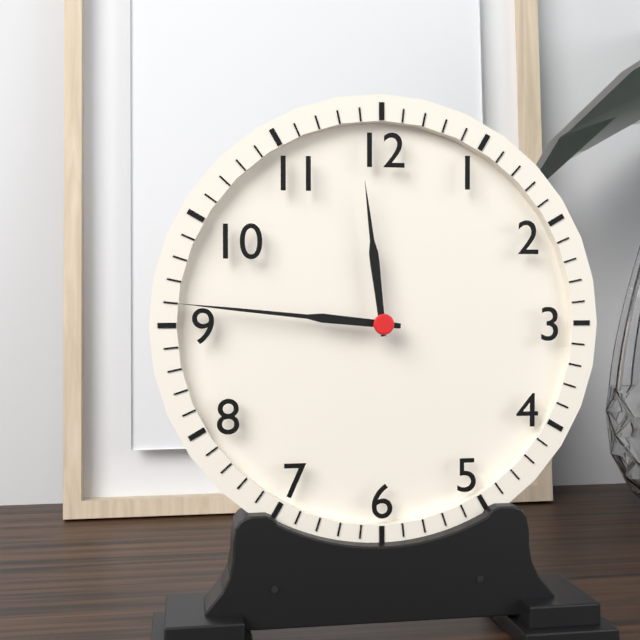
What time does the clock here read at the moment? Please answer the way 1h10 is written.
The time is 11h46
